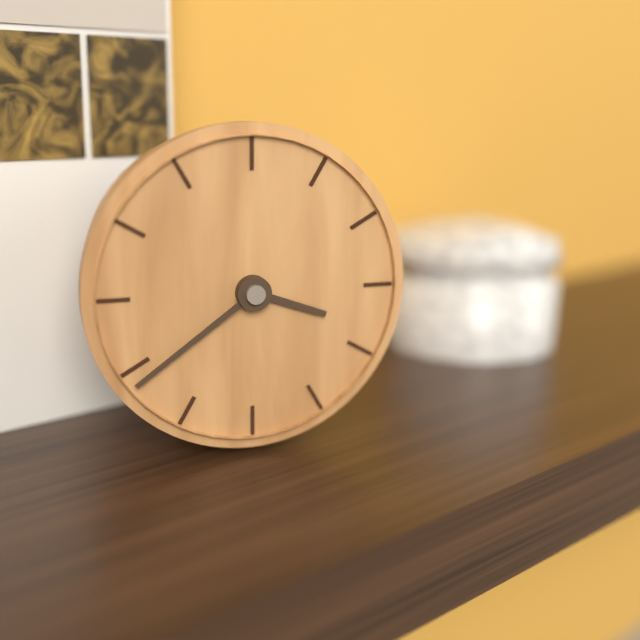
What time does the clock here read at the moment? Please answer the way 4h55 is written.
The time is 3h39
